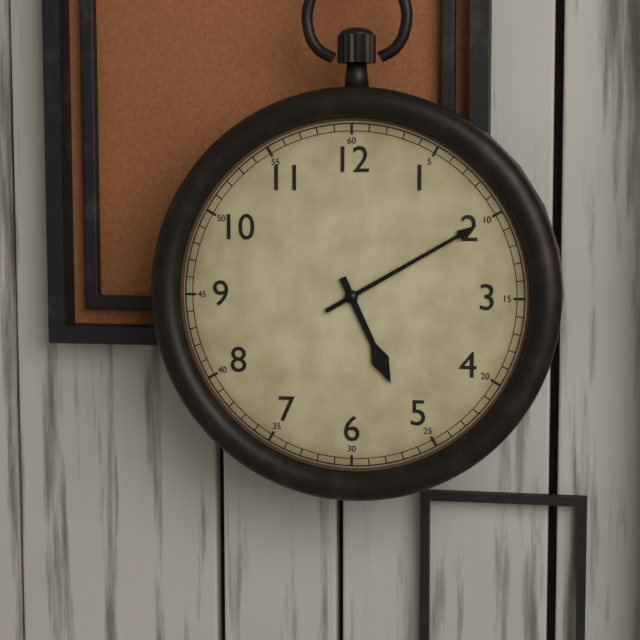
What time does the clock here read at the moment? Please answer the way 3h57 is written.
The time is 5h10
